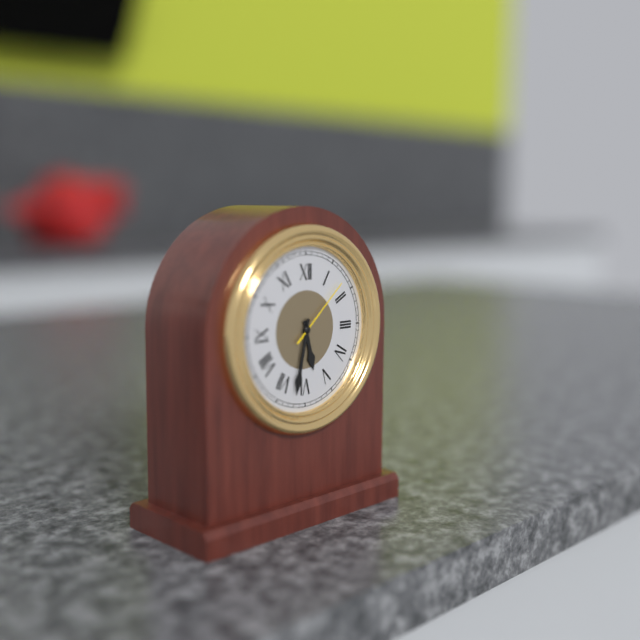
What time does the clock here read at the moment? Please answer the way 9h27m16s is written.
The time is 5h32m08s
